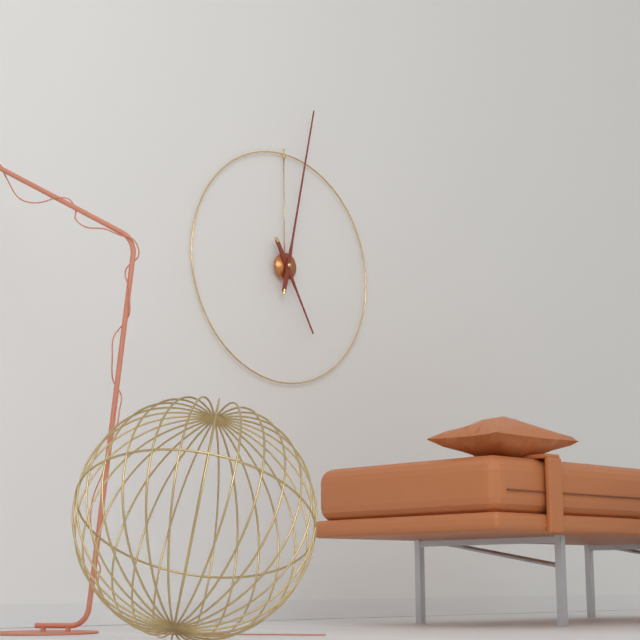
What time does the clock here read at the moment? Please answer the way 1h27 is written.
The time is 5h02
